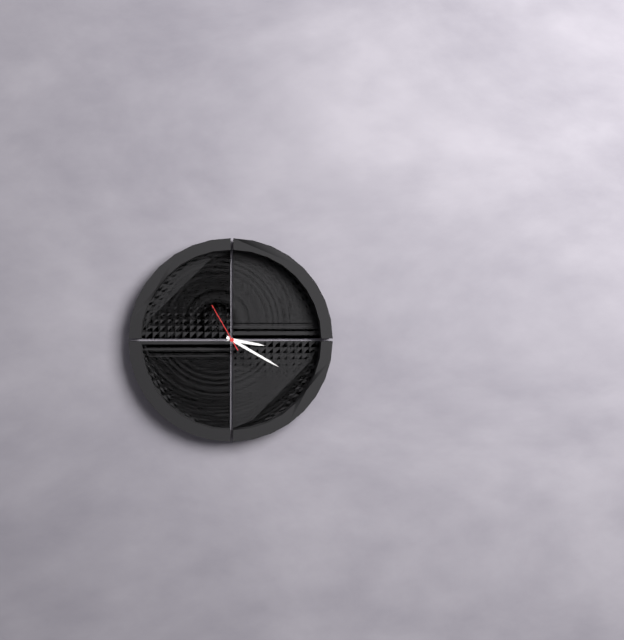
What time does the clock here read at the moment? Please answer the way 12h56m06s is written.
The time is 3h20m55s
